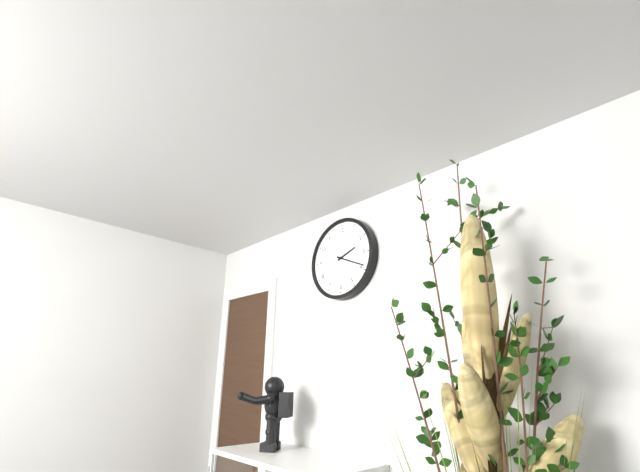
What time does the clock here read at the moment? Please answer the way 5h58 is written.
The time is 2h19
